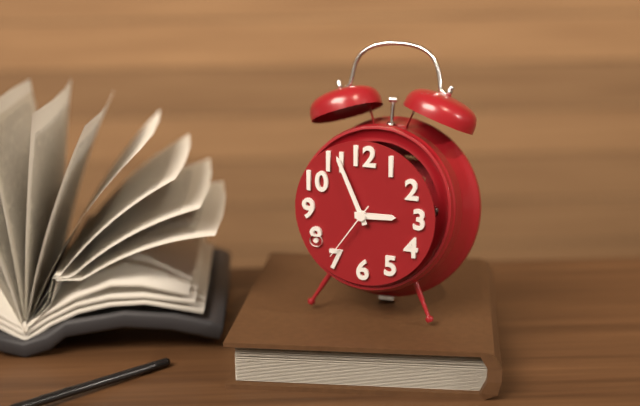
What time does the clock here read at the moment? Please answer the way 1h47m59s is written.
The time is 2h56m36s
